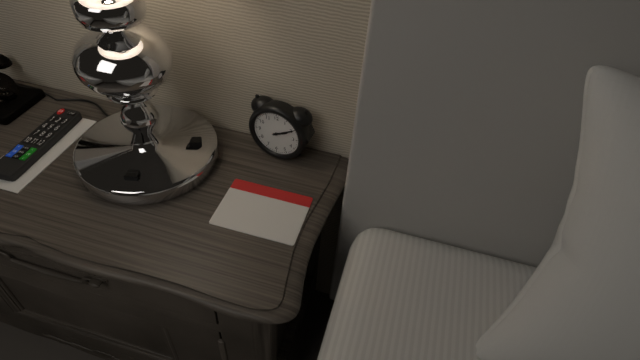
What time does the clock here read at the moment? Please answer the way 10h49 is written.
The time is 2h10
